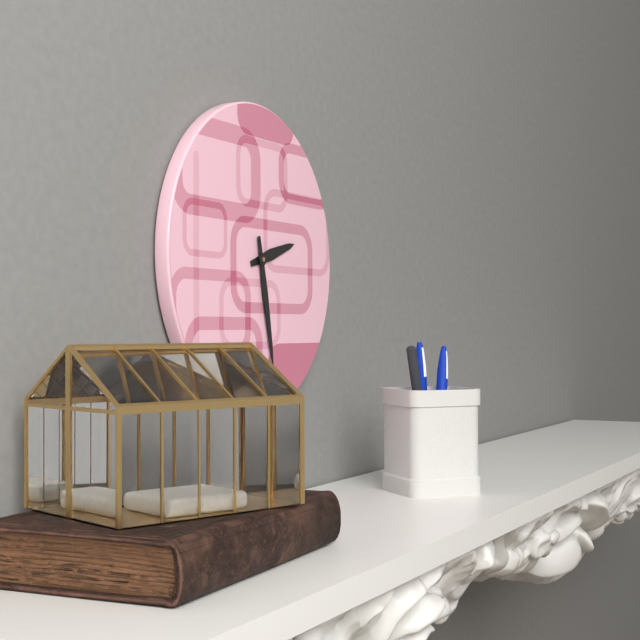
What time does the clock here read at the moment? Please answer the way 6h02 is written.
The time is 2h28
